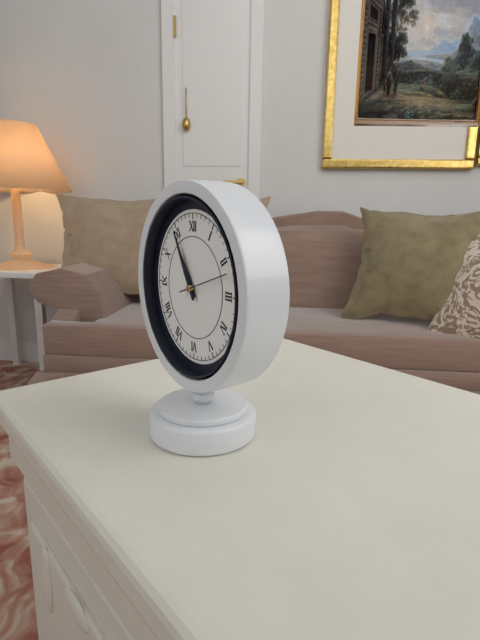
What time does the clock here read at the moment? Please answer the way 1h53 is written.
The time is 10h55
